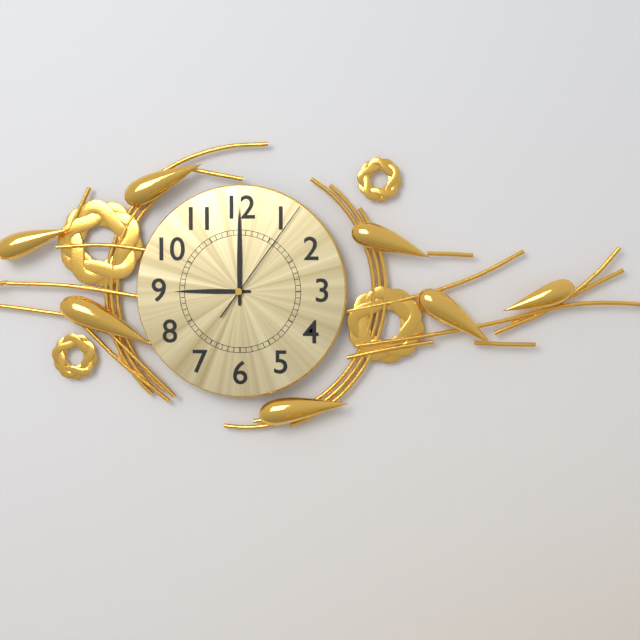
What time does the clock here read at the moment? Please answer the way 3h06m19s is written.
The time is 9h00m06s
